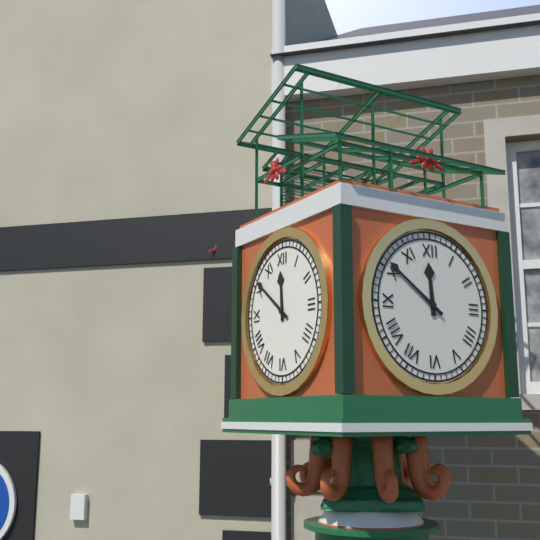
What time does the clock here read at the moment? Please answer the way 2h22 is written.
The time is 11h51
